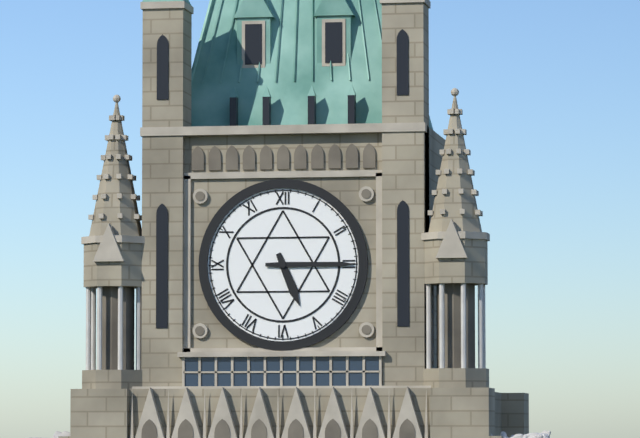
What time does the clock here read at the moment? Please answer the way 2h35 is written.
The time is 5h15
